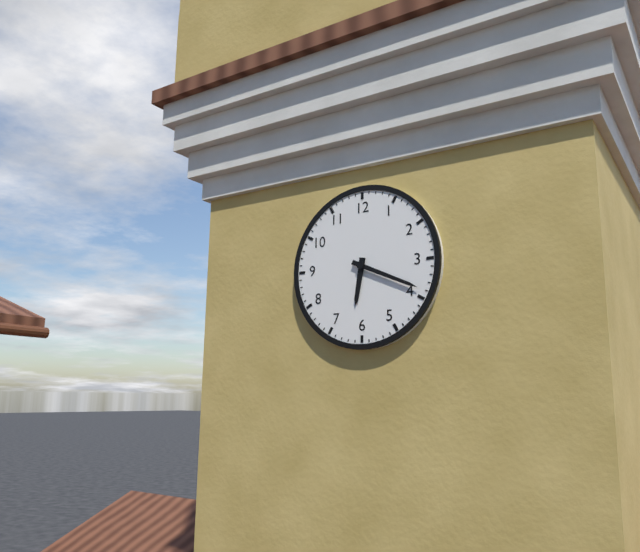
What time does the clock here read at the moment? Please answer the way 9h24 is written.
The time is 6h19
